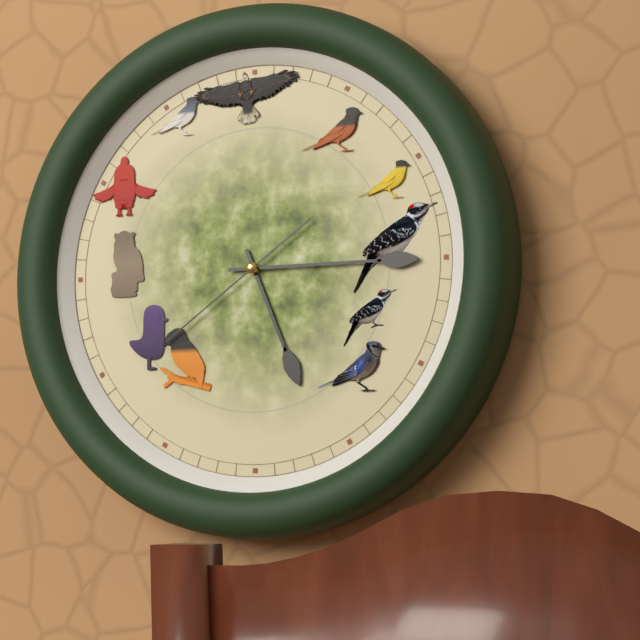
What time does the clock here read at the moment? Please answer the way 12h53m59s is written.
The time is 5h15m39s
